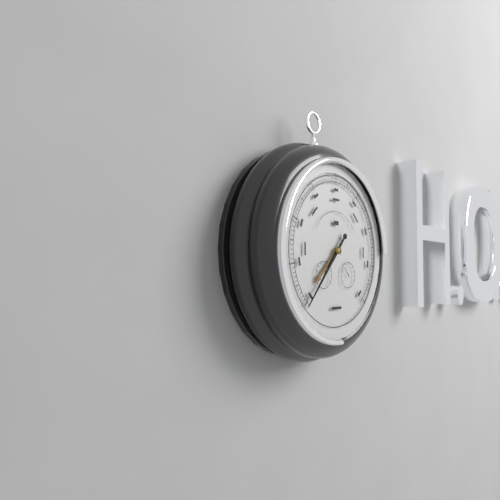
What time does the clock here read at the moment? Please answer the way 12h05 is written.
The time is 7h37
